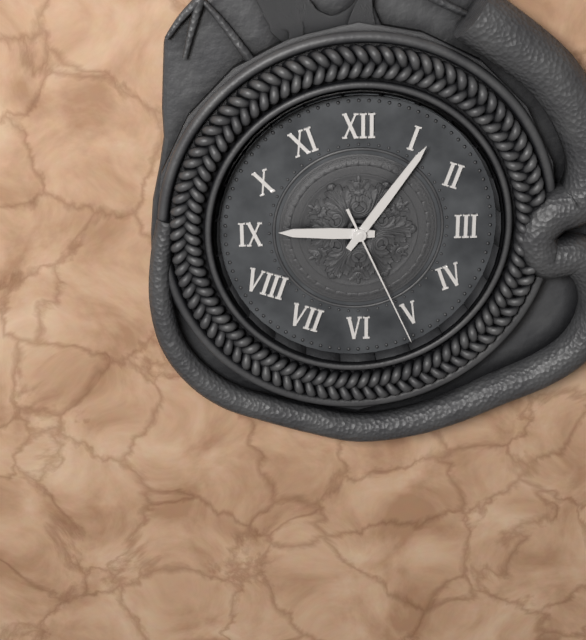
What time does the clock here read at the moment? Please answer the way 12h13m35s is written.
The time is 9h06m26s
